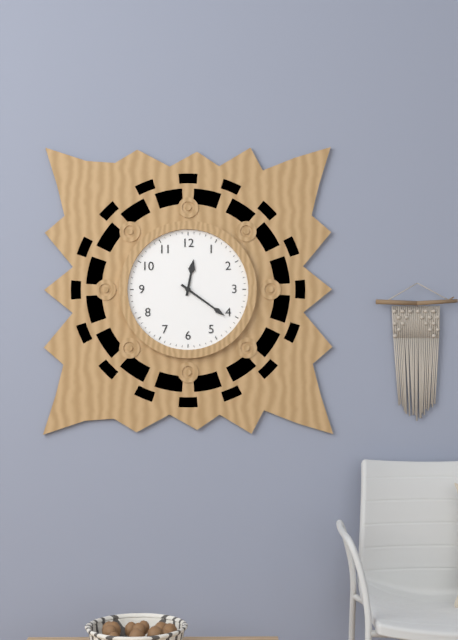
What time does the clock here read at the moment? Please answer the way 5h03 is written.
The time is 12h21
